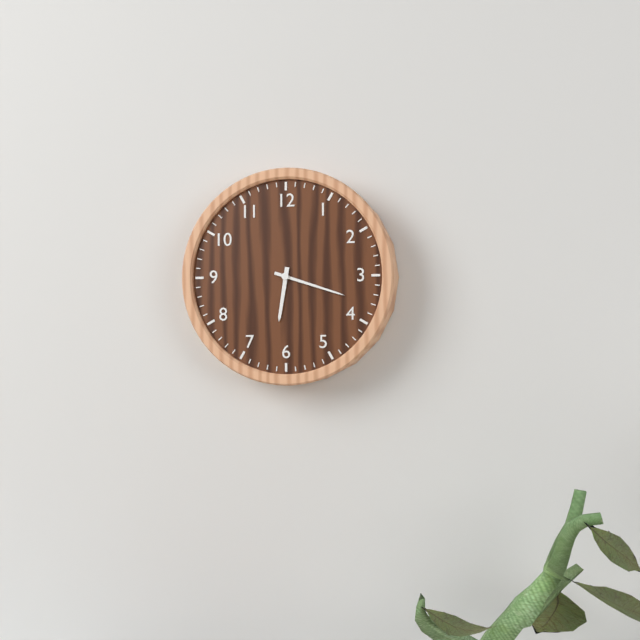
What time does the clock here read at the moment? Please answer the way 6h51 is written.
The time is 6h18
